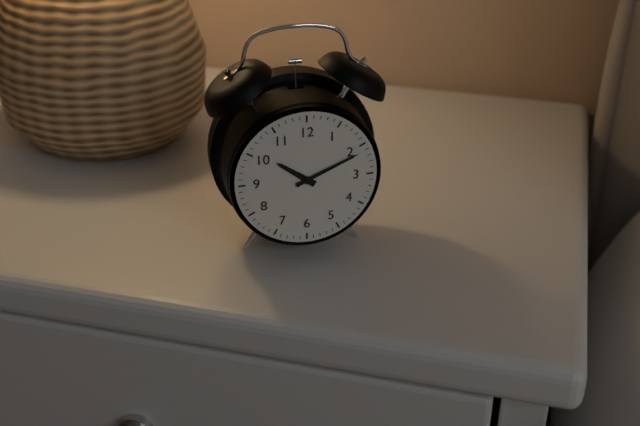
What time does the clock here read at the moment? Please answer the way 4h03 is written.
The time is 10h11
